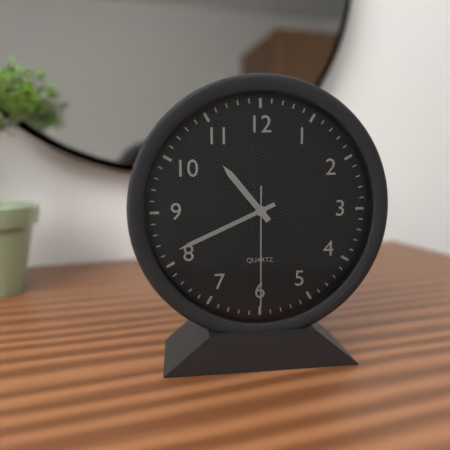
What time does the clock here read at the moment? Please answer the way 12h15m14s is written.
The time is 10h41m30s
